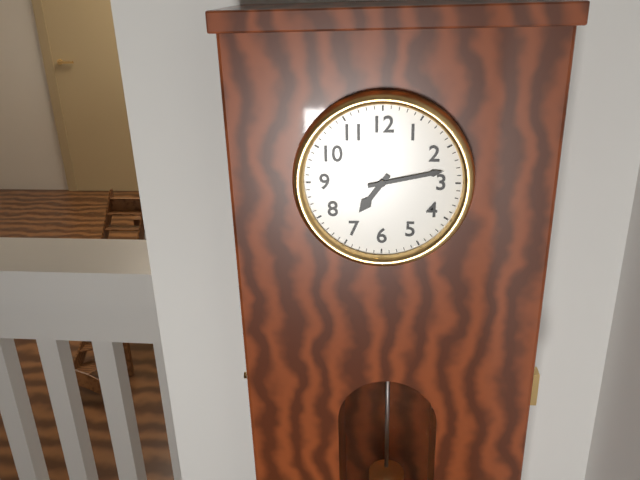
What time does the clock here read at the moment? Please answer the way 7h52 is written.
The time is 7h13
